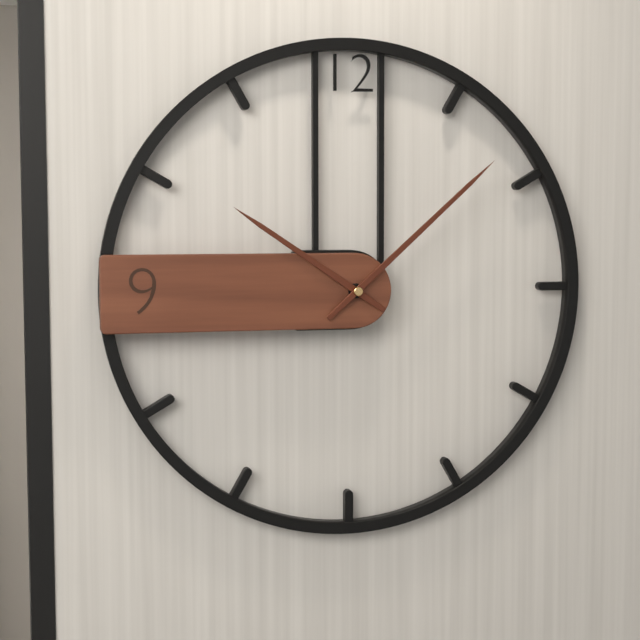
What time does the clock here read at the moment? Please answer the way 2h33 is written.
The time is 10h08
